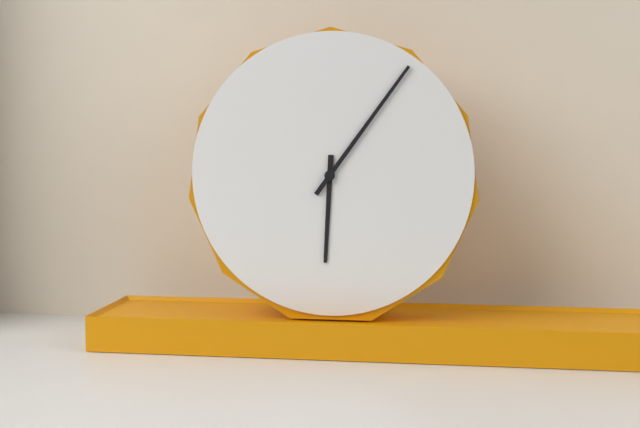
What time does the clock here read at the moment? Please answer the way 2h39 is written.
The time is 6h06
